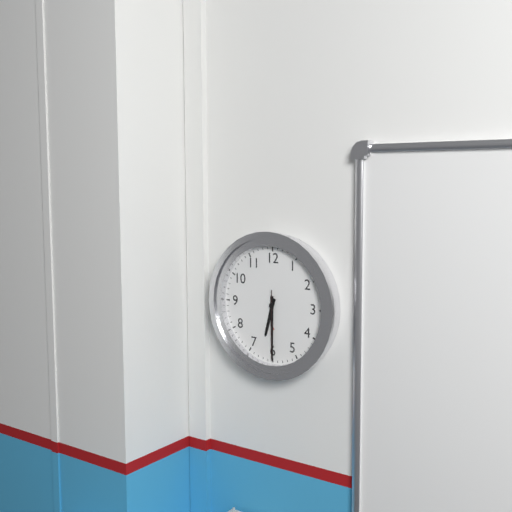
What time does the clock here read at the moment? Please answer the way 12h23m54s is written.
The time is 6h30m30s
